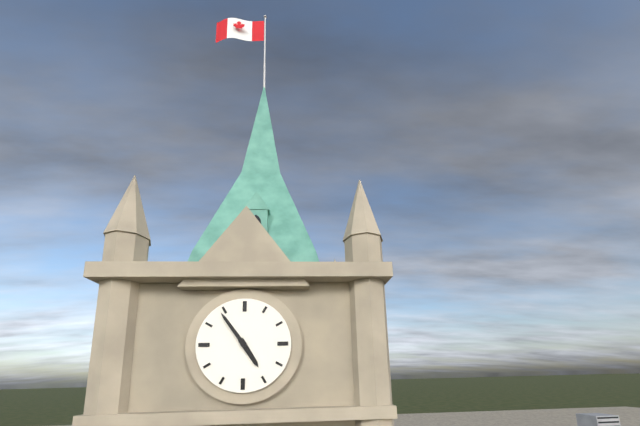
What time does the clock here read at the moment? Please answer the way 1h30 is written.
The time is 4h54
